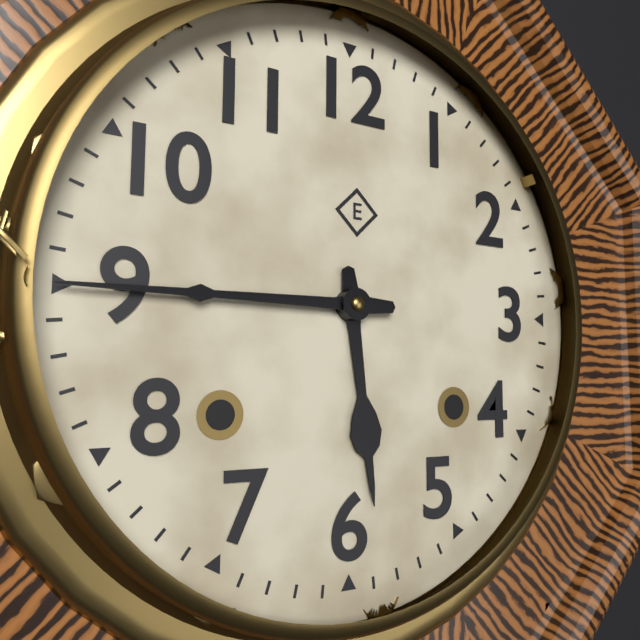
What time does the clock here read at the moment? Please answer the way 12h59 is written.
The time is 5h45
